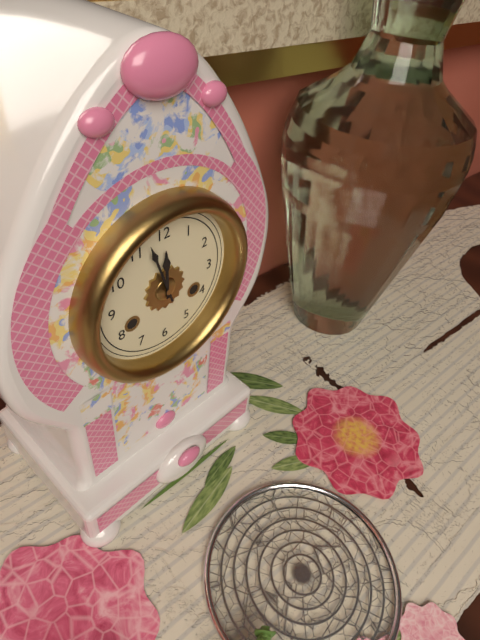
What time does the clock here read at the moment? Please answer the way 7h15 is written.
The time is 11h57
